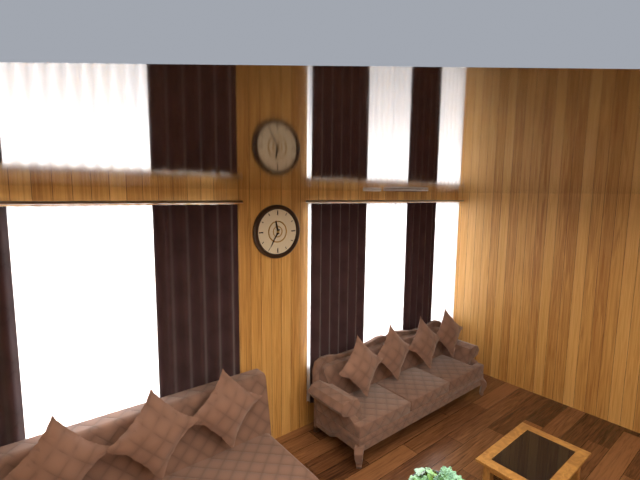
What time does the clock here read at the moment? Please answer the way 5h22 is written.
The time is 11h35
